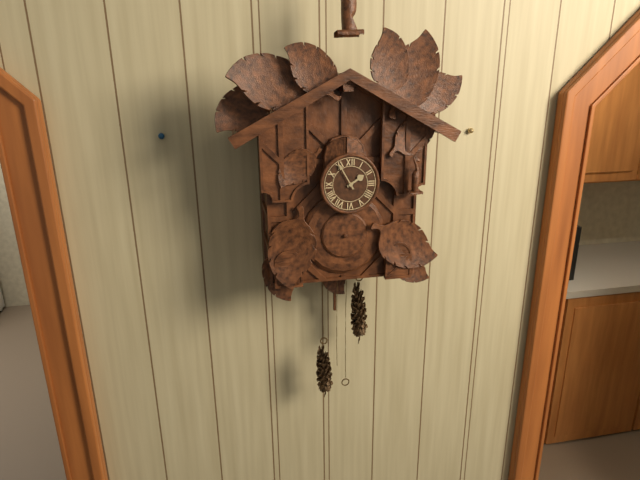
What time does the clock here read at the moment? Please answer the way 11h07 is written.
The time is 1h55
